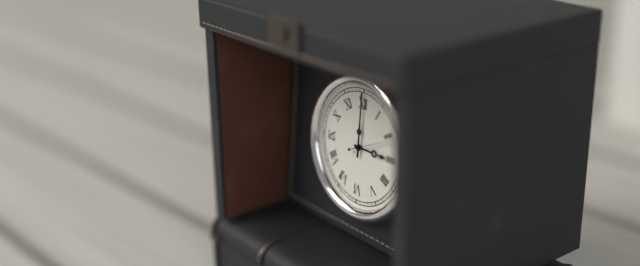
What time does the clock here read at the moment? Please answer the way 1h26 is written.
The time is 3h00
